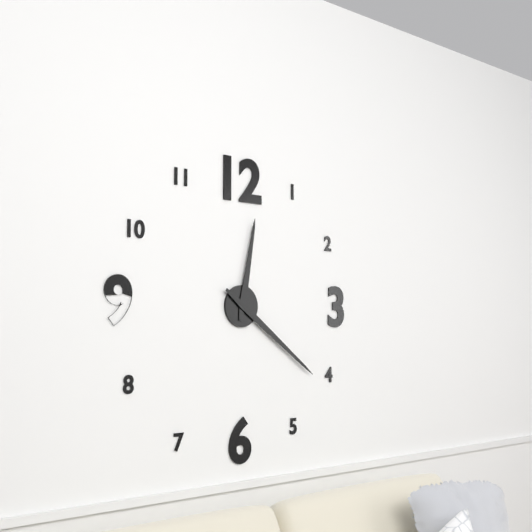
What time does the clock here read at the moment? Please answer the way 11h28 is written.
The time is 12h21
